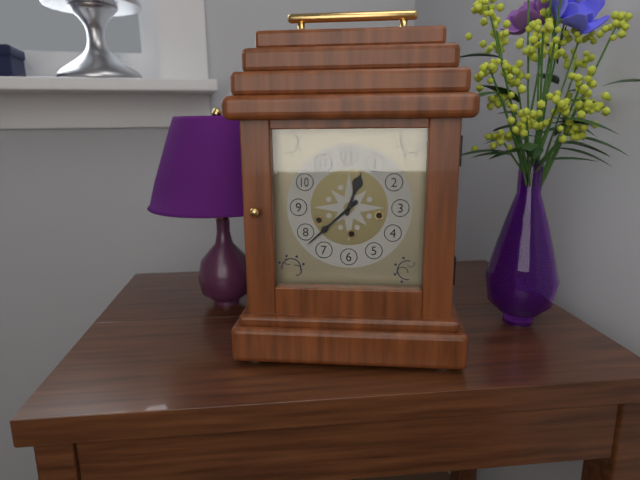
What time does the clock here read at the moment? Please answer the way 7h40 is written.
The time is 12h38
